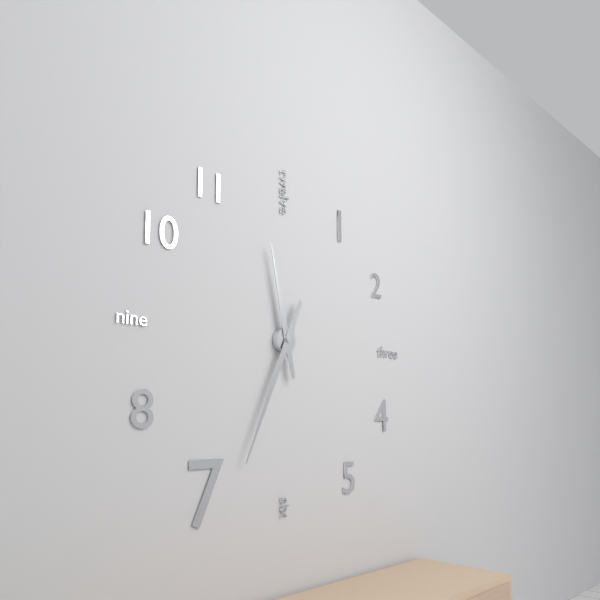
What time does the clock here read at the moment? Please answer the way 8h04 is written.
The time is 11h34
